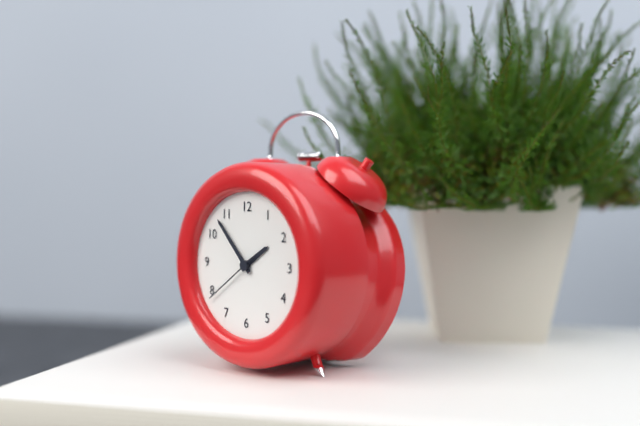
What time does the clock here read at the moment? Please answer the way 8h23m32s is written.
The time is 1h53m39s
